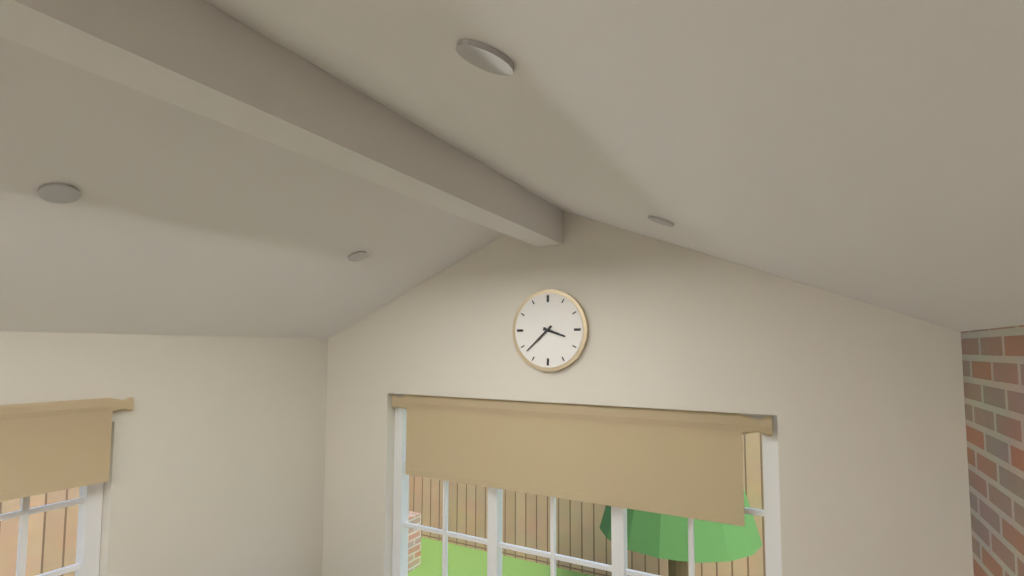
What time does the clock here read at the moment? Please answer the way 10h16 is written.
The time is 3h38
